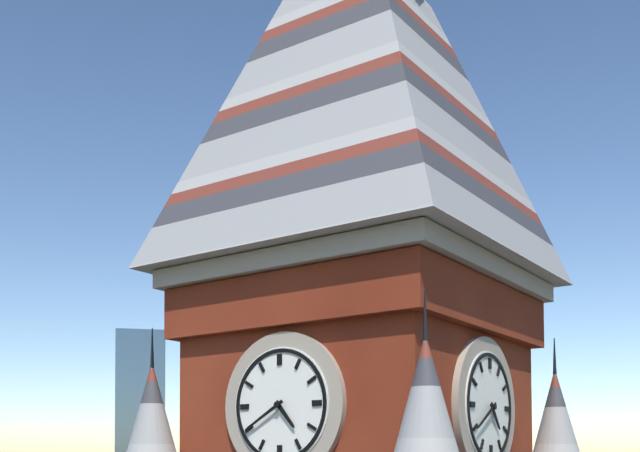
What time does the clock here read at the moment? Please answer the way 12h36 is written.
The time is 4h40
